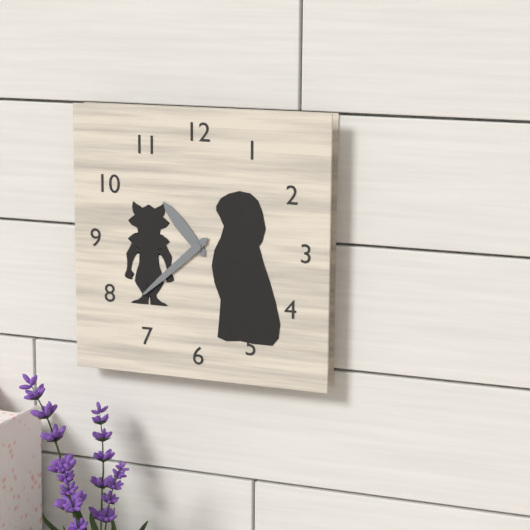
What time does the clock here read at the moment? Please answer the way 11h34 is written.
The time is 10h38
